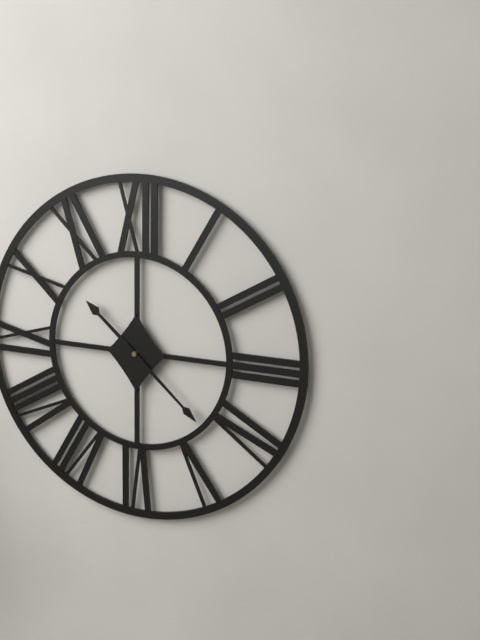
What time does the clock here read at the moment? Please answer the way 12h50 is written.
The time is 10h22
